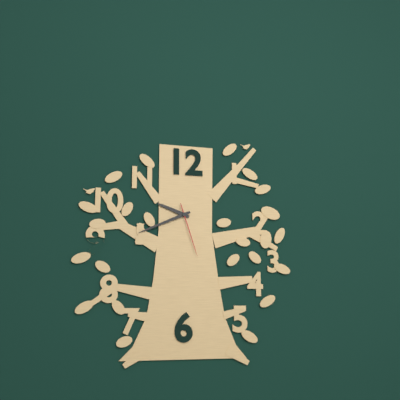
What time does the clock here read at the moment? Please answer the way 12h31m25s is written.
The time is 9h41m27s
